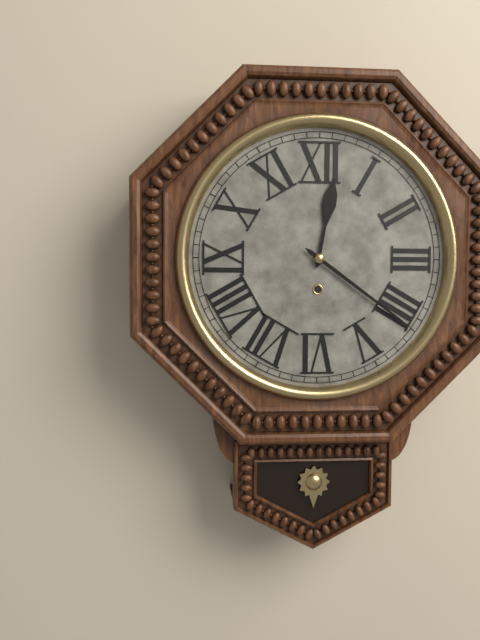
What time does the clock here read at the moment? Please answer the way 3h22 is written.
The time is 12h21
